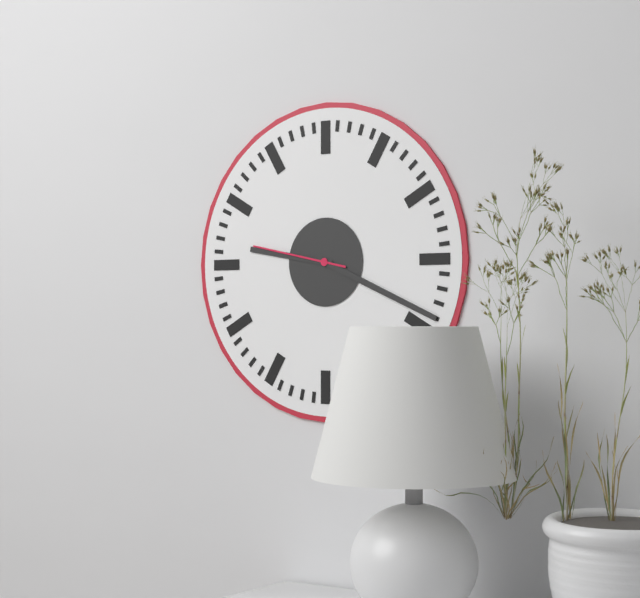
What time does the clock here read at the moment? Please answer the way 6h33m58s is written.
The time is 9h19m47s
